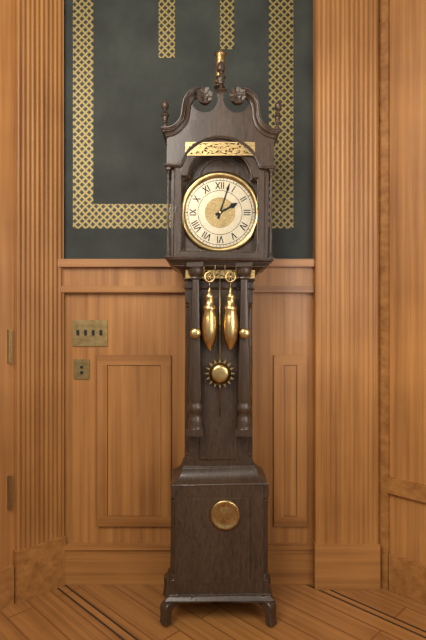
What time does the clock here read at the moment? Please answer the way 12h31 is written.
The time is 2h03
